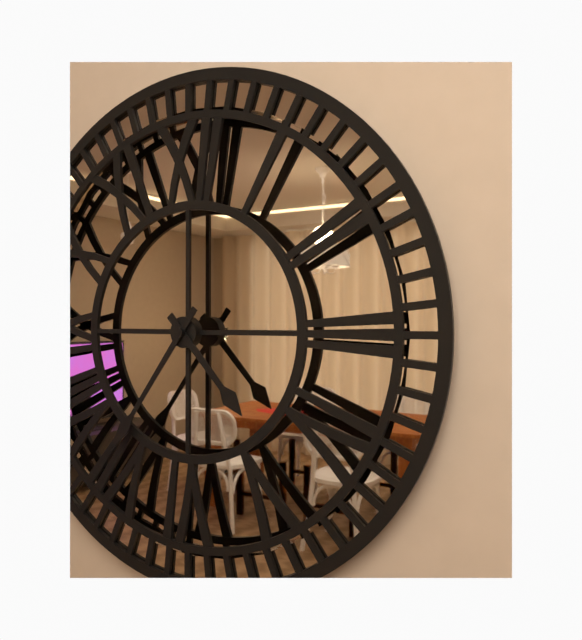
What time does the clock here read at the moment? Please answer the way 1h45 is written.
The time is 4h36
